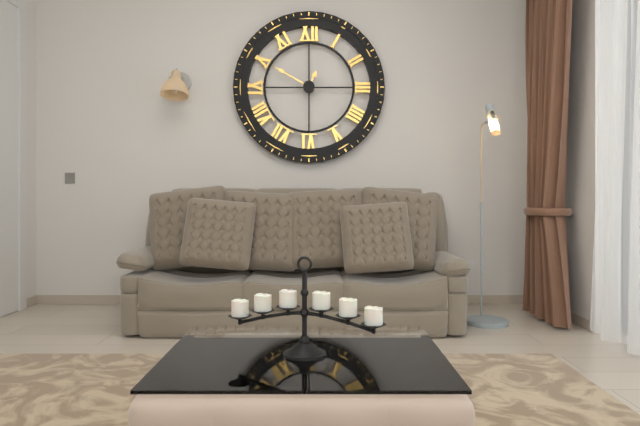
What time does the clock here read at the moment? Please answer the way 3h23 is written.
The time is 12h50
